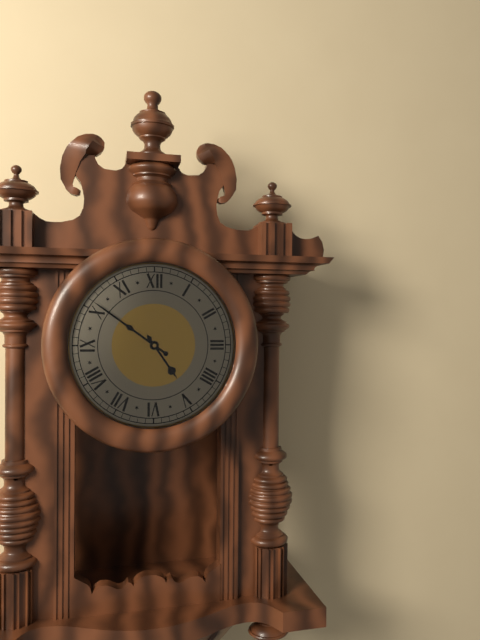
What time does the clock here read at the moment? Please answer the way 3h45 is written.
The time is 4h51
